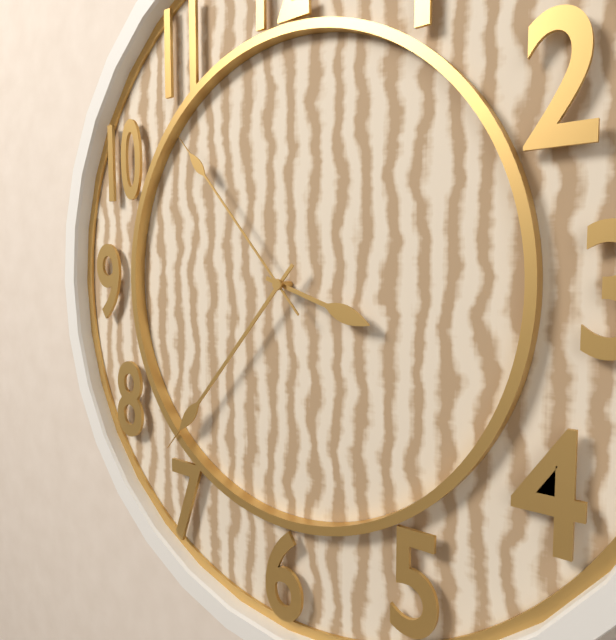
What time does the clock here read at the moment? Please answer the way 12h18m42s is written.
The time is 3h37m53s
